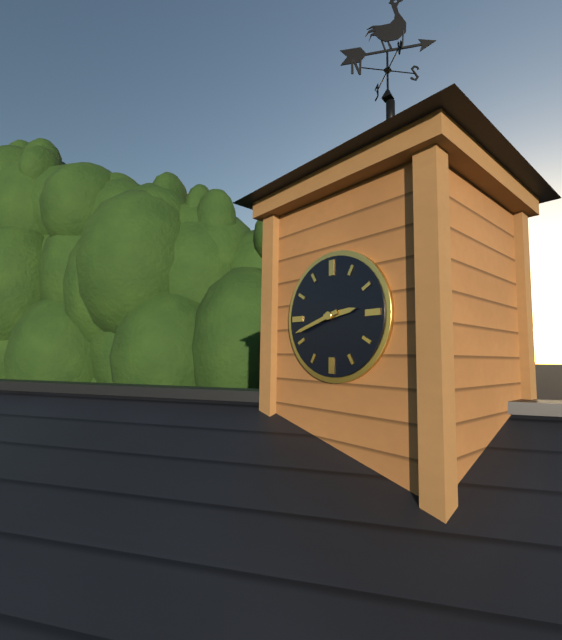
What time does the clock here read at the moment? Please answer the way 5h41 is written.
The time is 2h42
